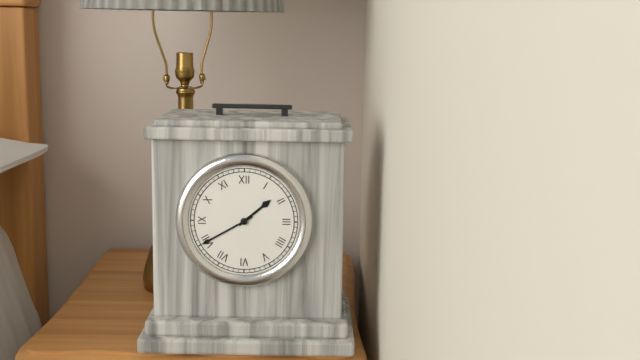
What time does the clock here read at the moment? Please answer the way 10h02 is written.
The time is 1h40
